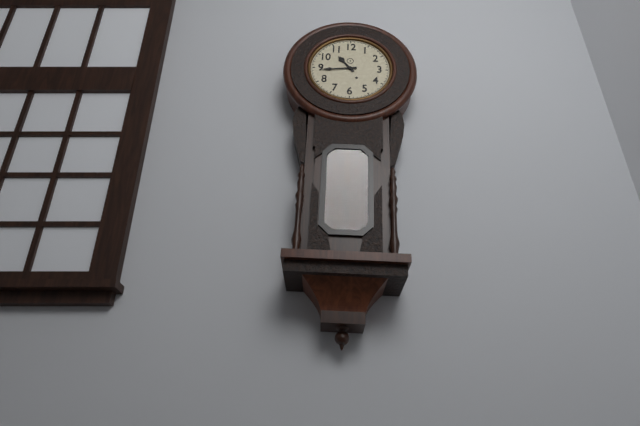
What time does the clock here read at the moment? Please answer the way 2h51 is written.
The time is 10h44
